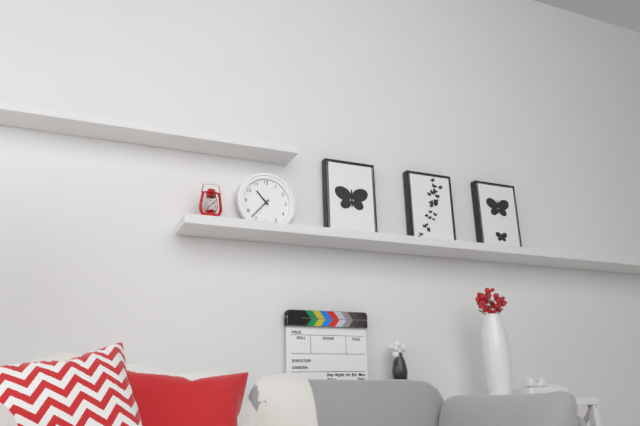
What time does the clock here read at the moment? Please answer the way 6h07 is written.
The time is 10h37
